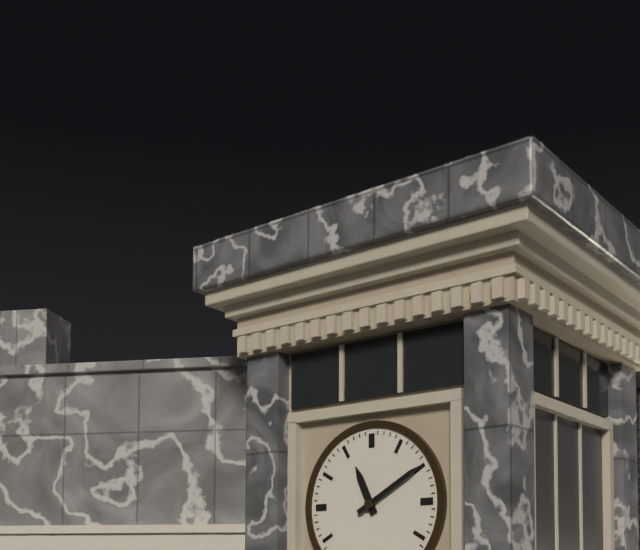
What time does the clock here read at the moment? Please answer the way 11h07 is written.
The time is 11h10
